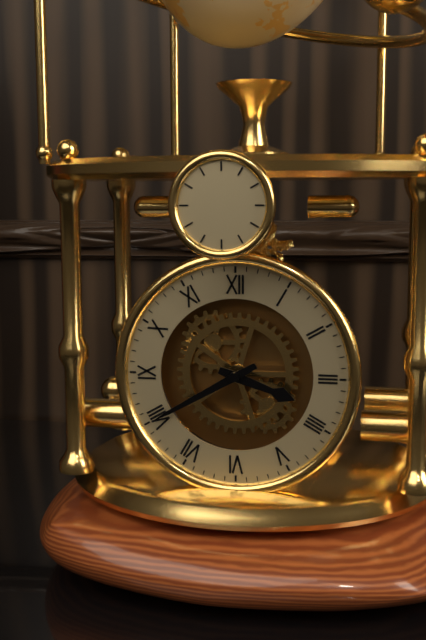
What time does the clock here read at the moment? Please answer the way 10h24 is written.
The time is 3h40
